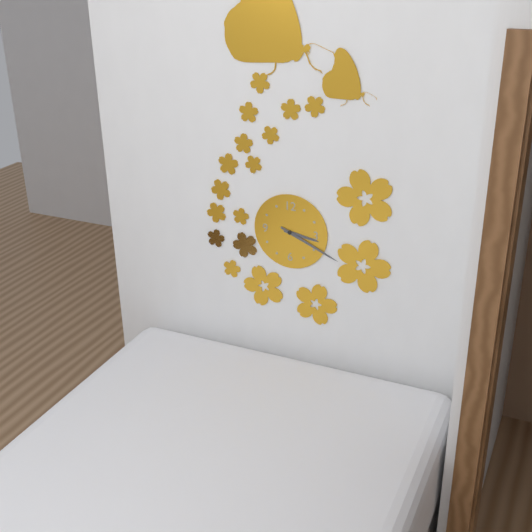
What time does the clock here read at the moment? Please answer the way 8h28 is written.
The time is 3h19
